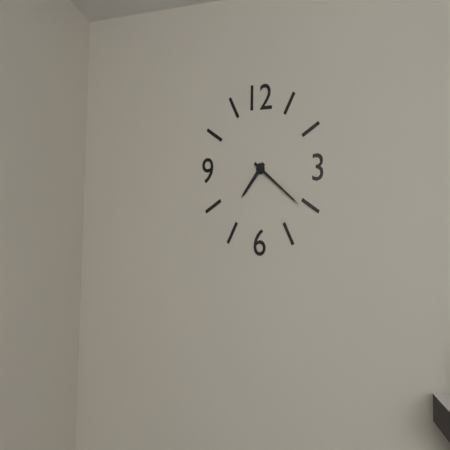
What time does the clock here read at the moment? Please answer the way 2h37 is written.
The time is 7h21
